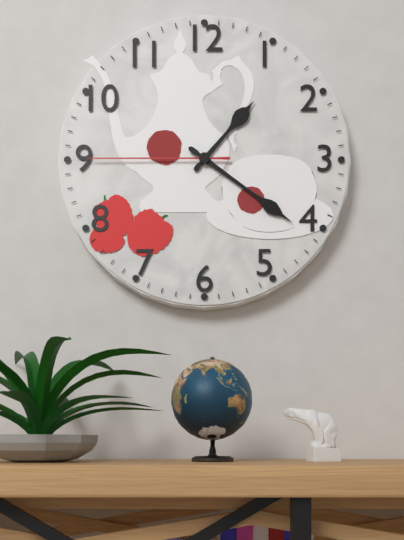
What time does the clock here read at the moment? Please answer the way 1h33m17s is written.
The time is 1h21m45s
